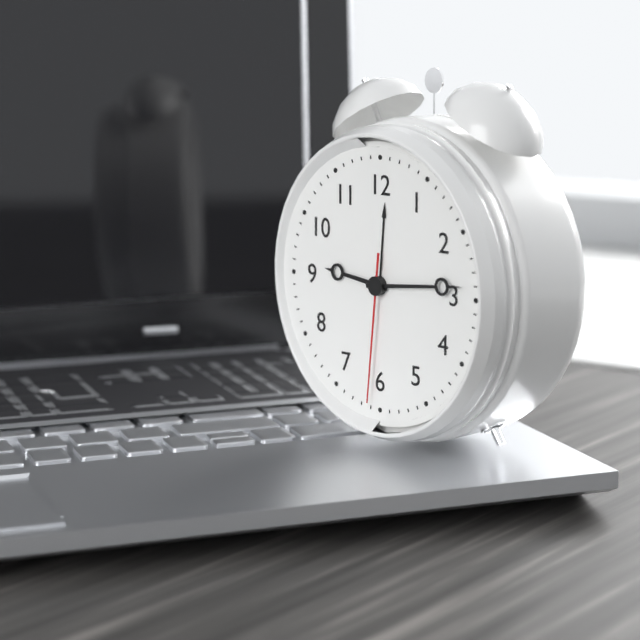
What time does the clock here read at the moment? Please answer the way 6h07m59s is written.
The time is 9h14m31s
